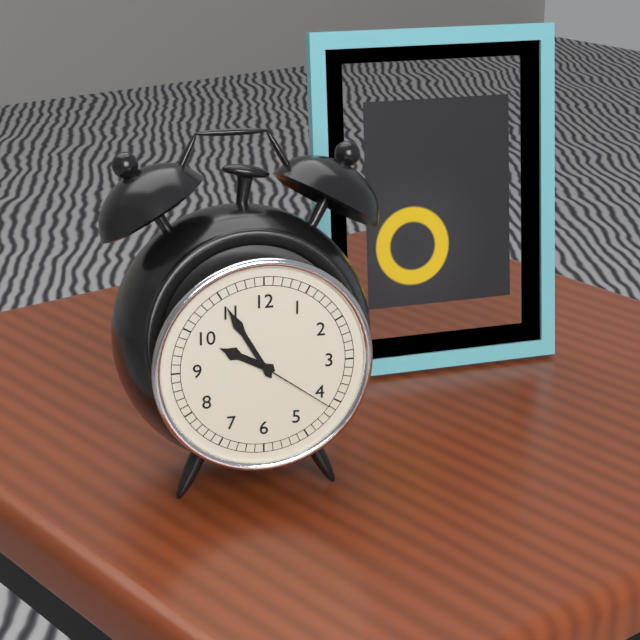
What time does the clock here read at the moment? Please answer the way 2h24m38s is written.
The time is 9h55m21s
